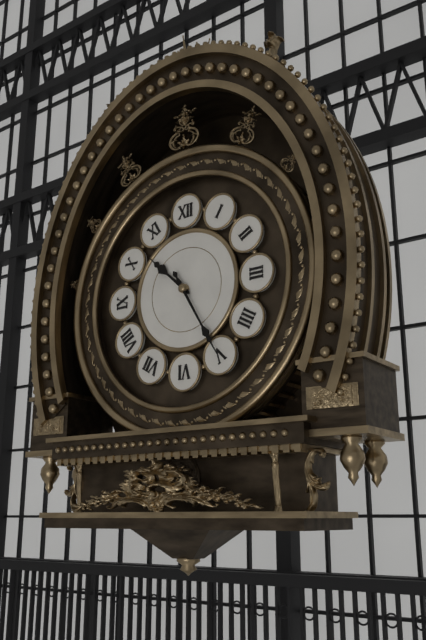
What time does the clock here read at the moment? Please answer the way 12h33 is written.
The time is 10h25
